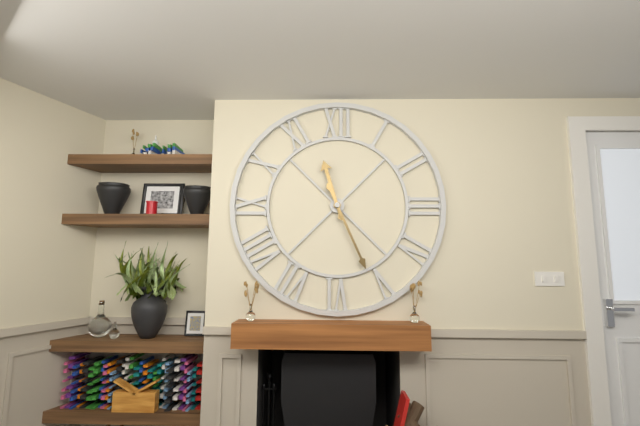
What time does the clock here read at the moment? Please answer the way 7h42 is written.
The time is 11h26
